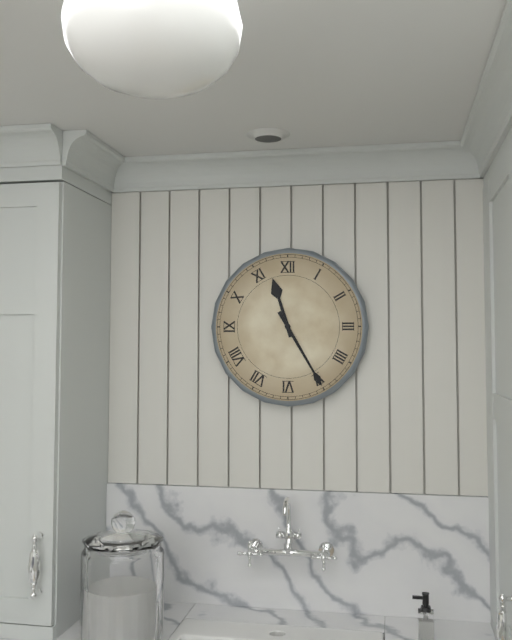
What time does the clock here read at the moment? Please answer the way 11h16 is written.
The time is 11h25
